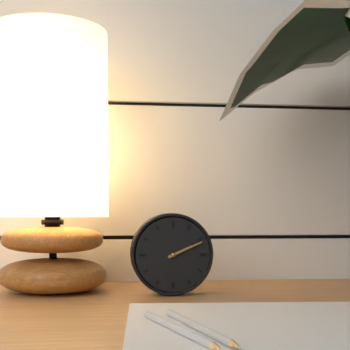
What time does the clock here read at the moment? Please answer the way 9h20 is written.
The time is 2h11
